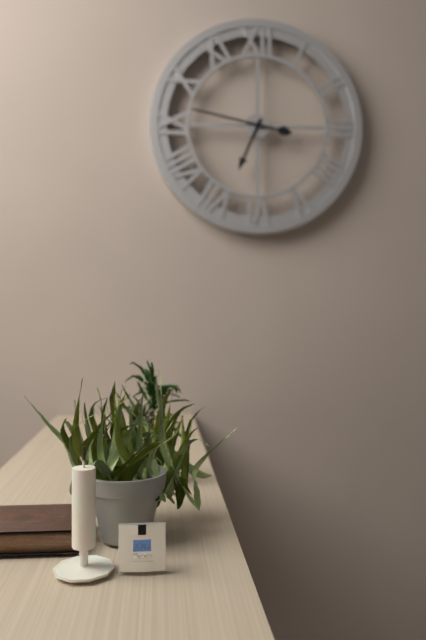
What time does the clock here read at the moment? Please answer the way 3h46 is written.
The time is 6h47
